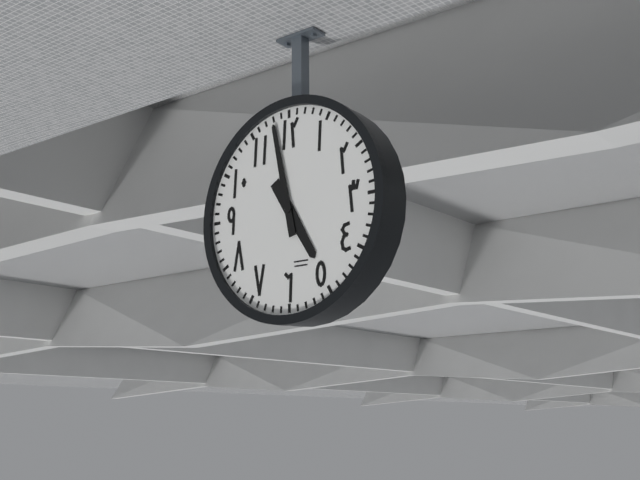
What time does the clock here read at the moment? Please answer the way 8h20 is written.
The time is 4h58
